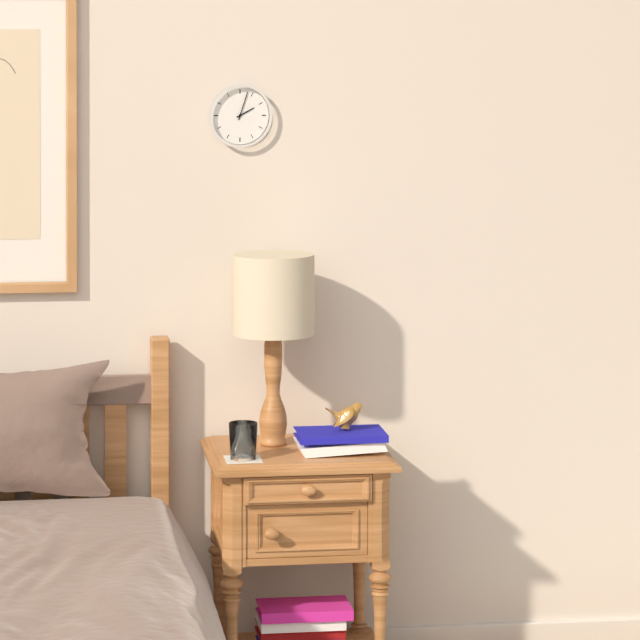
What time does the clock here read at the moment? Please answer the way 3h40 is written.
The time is 2h03
